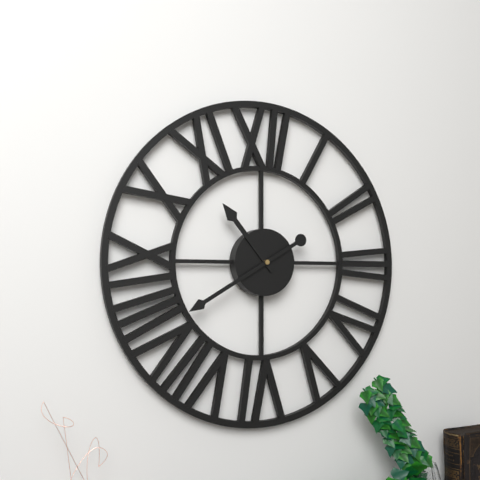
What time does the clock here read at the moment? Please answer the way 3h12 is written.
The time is 10h40
